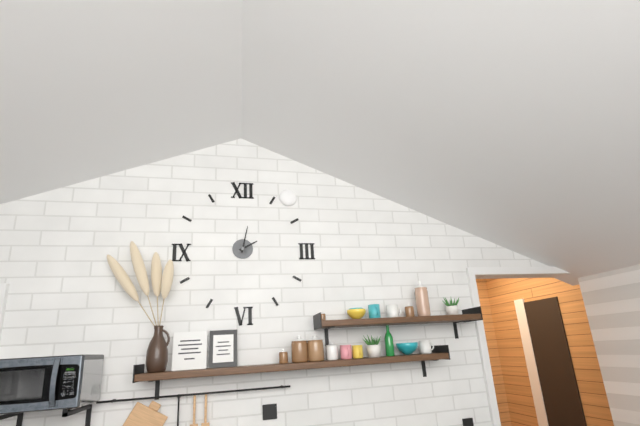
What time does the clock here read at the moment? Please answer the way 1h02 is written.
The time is 2h02
